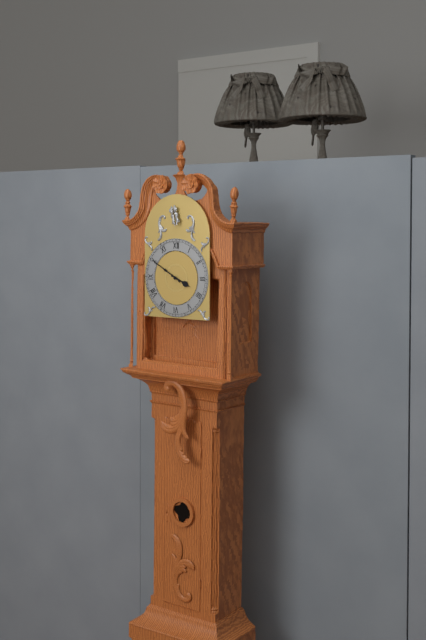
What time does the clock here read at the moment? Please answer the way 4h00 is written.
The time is 3h50
